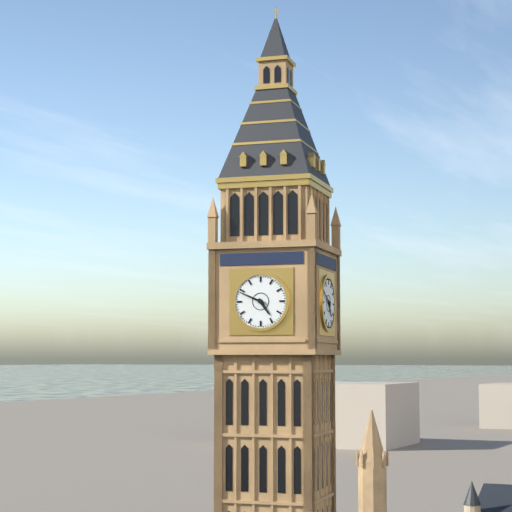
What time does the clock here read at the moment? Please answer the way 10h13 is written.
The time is 4h49
